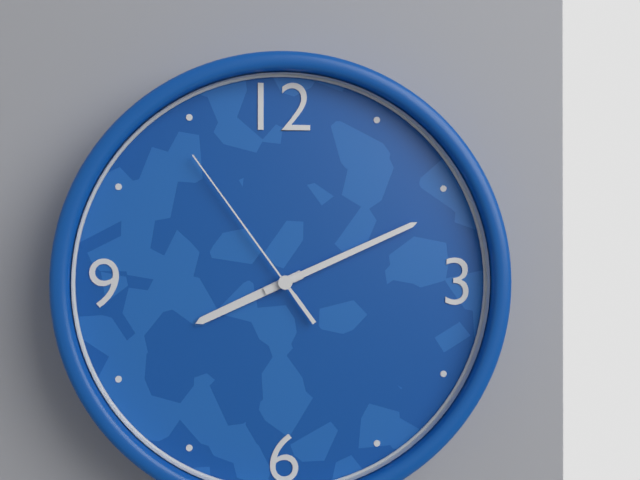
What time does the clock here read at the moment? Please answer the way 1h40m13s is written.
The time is 8h11m54s
